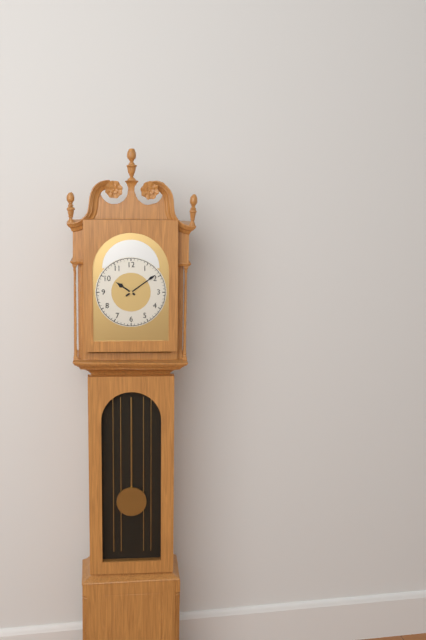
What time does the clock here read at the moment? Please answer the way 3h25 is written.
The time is 10h09
